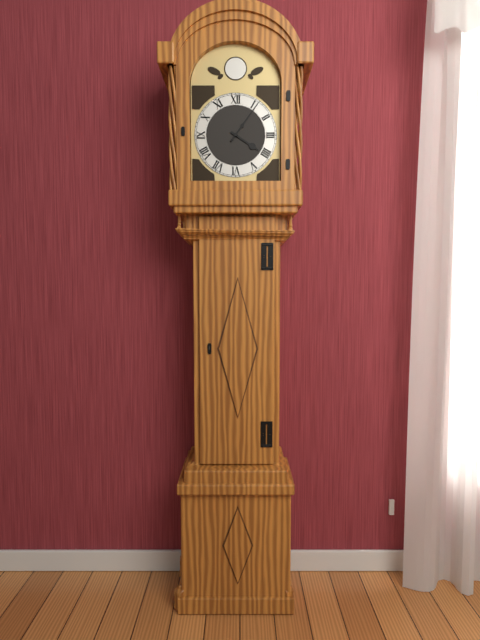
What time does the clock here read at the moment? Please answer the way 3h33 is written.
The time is 4h06
